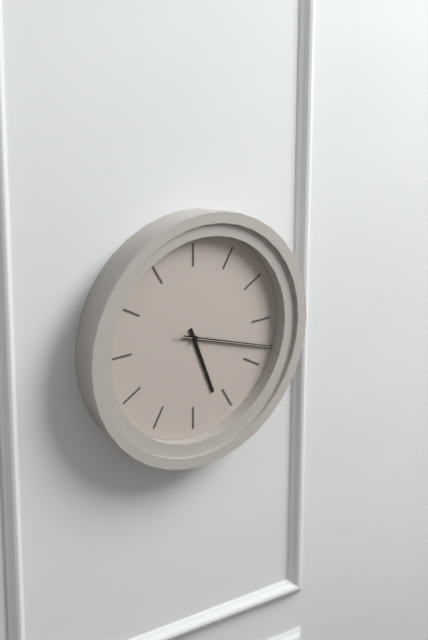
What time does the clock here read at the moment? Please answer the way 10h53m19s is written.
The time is 5h18m18s
